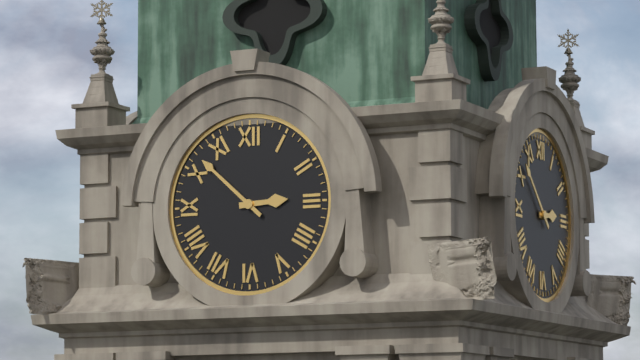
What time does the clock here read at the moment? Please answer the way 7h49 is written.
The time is 2h52
